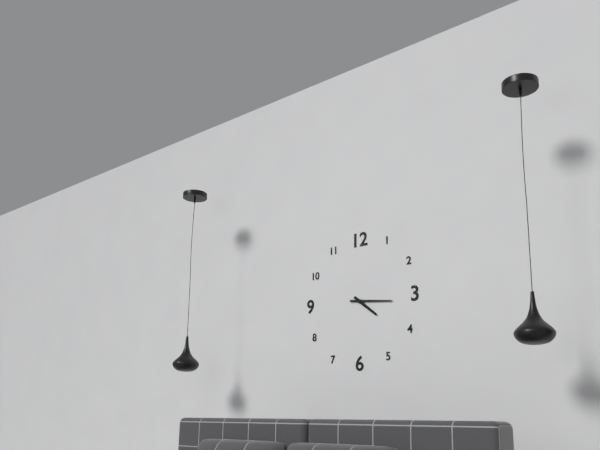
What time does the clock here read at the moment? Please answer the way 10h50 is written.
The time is 4h16
